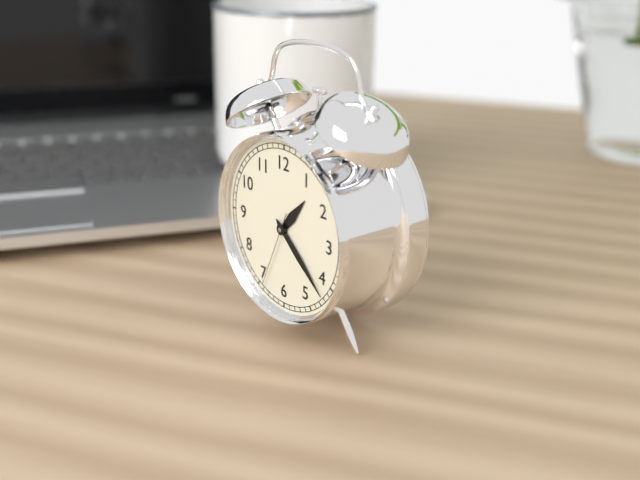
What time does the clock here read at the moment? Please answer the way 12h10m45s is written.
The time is 1h22m34s
